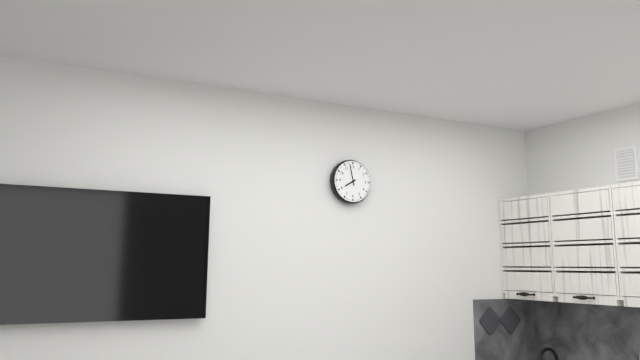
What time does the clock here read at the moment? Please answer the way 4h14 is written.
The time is 7h58
